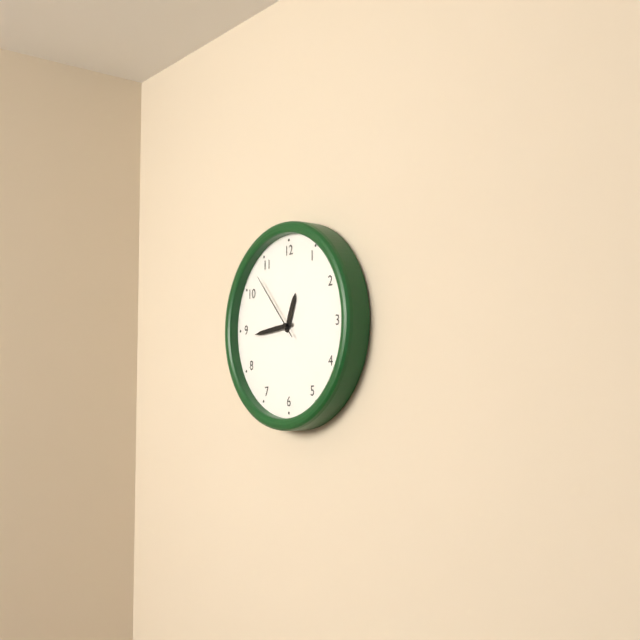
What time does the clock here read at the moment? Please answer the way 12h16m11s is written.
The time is 12h44m53s
